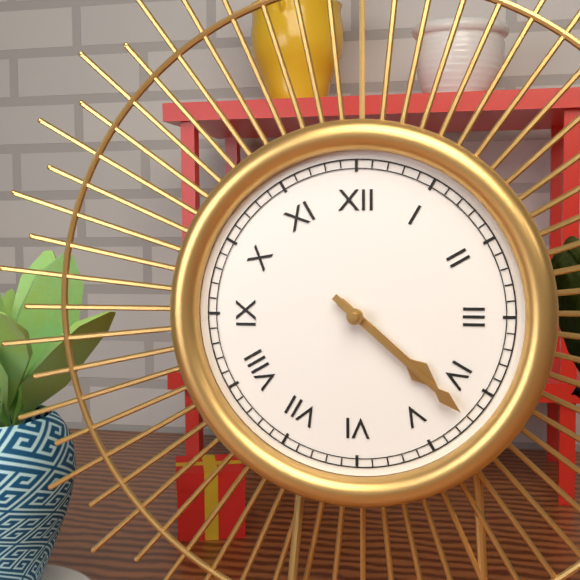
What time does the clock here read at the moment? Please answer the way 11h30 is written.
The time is 4h22
